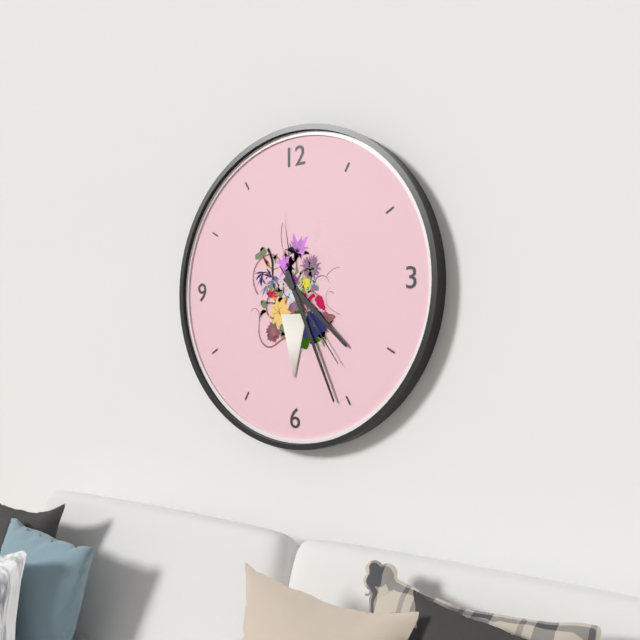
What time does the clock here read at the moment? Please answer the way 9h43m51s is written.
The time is 4h26m24s
